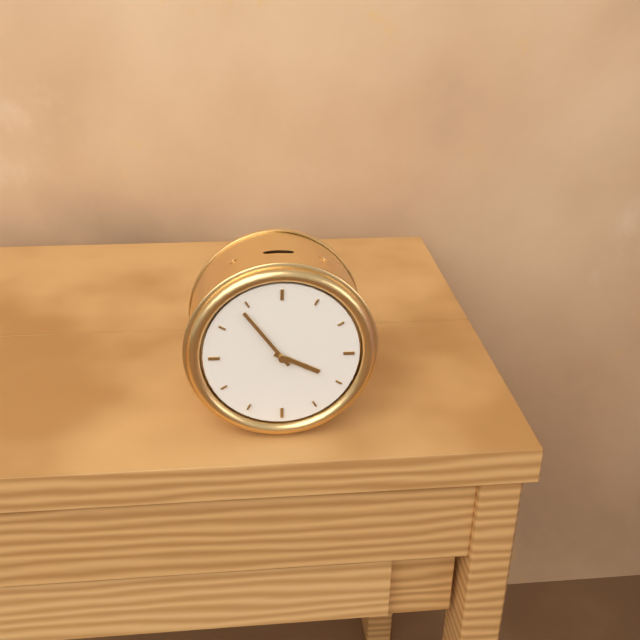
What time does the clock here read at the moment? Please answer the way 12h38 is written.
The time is 3h54
